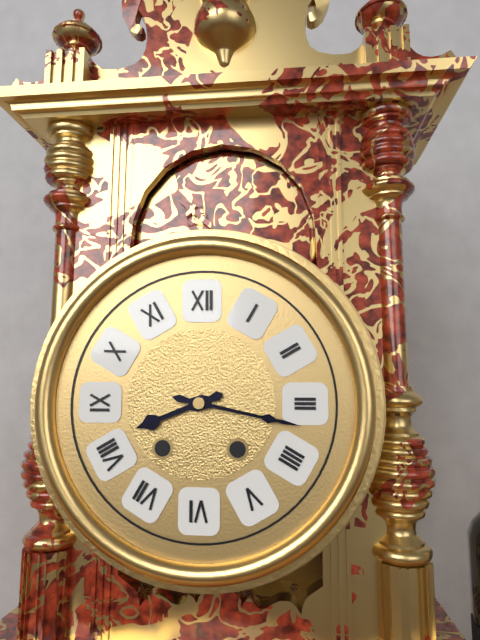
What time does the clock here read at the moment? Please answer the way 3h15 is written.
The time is 8h17
